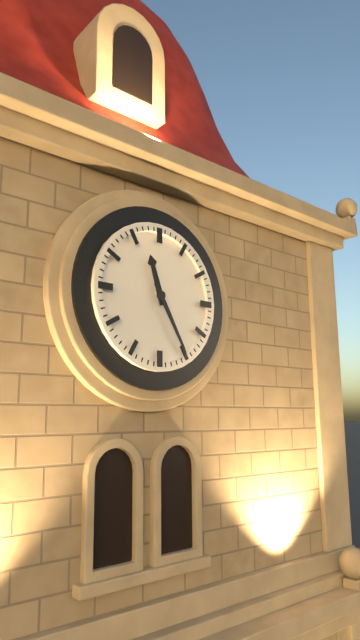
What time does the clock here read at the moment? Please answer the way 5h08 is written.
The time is 11h25
